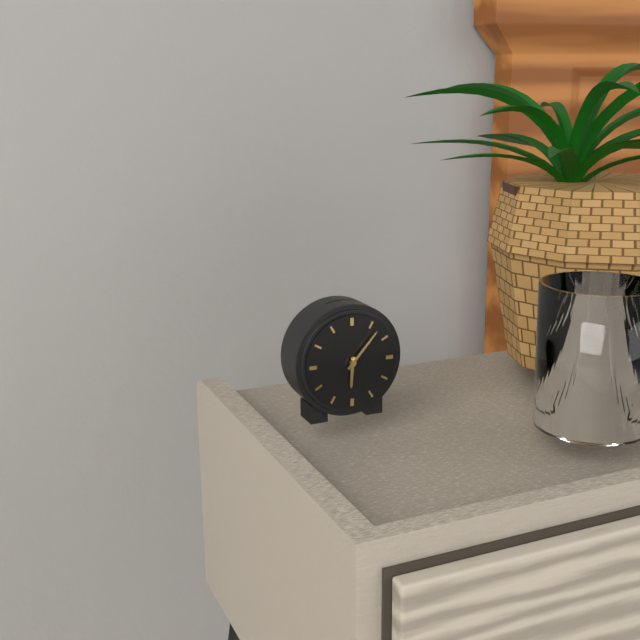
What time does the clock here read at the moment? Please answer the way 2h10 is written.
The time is 6h07
